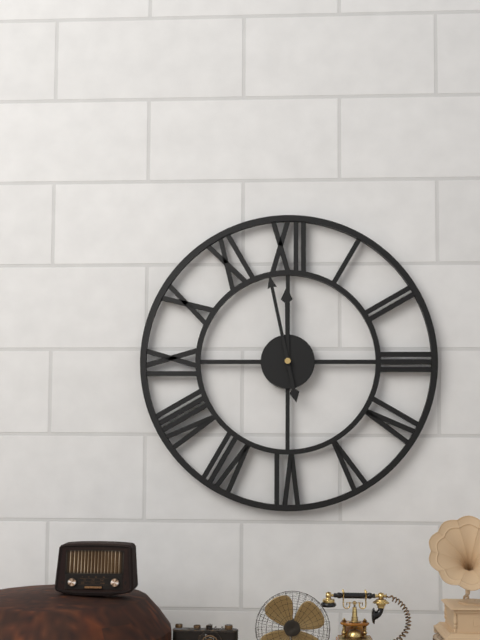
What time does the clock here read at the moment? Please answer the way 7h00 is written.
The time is 11h58
